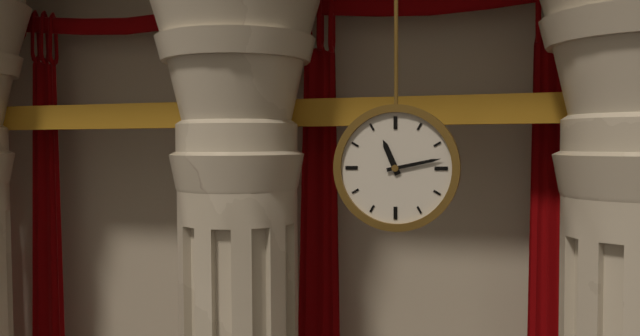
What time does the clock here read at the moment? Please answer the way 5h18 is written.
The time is 11h13
